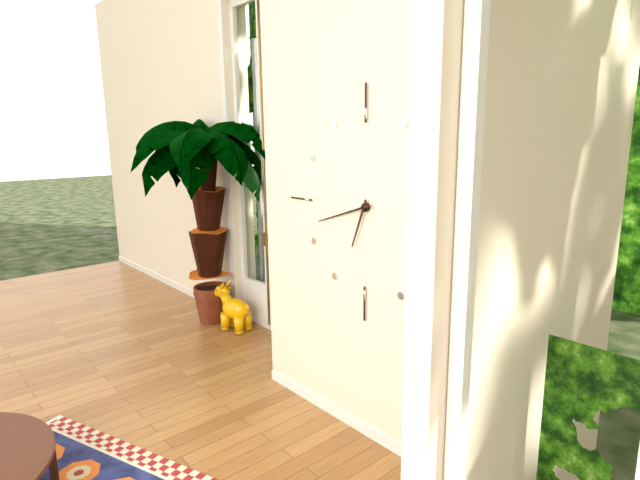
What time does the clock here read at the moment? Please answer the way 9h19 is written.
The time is 6h42
